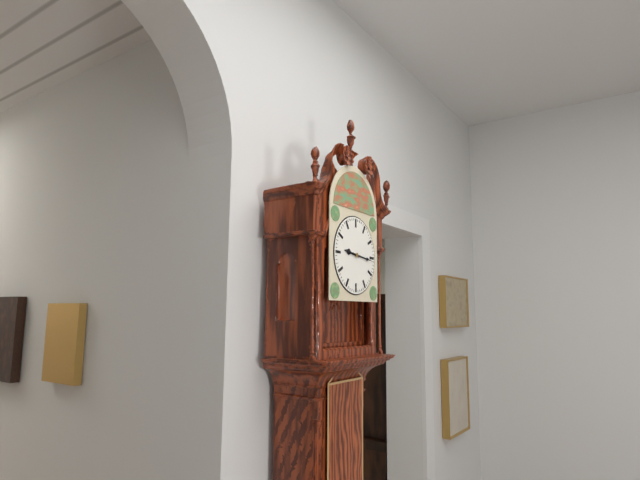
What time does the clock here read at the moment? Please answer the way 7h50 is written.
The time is 9h16
